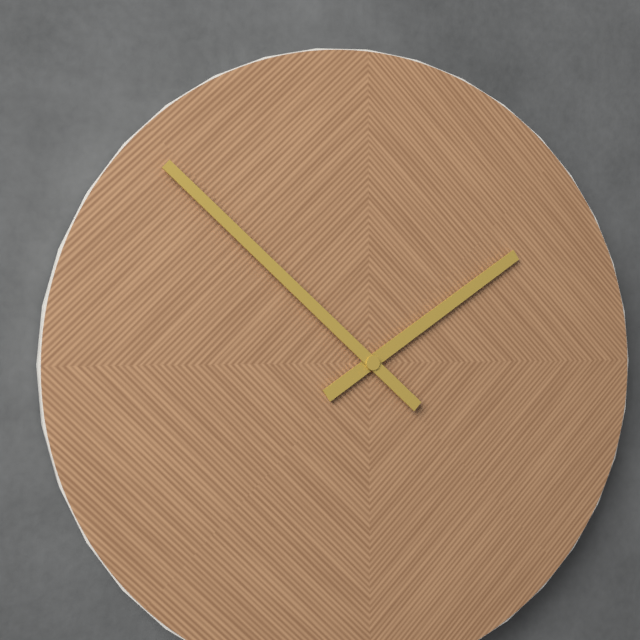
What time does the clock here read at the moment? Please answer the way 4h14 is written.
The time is 1h52
